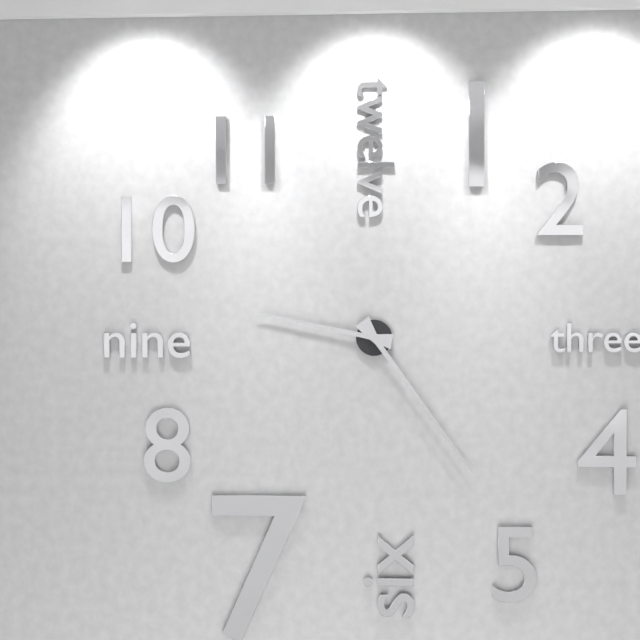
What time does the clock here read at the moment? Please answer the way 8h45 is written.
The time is 9h24
